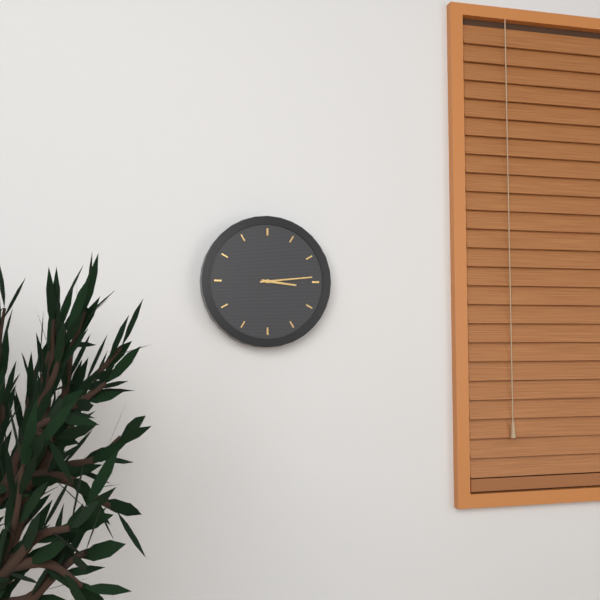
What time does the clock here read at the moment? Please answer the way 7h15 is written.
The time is 3h14
